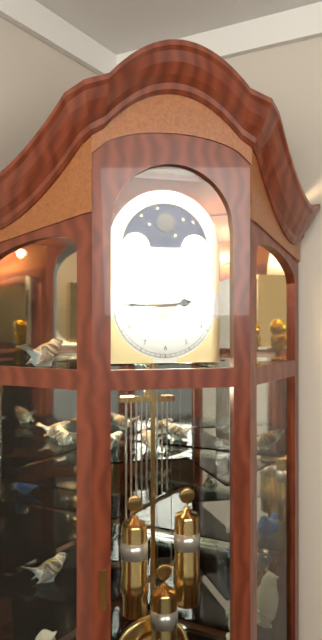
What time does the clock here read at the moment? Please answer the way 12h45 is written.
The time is 2h45
